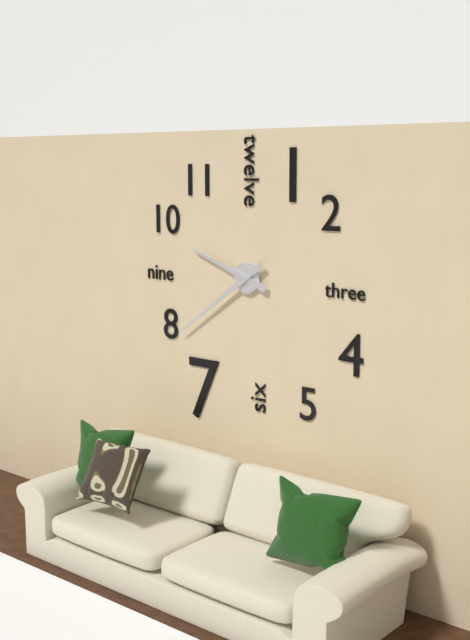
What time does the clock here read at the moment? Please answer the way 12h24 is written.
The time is 9h39
